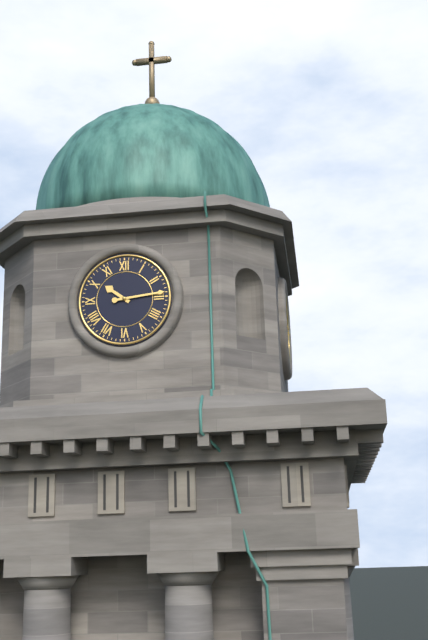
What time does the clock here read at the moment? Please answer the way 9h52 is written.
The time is 10h14
